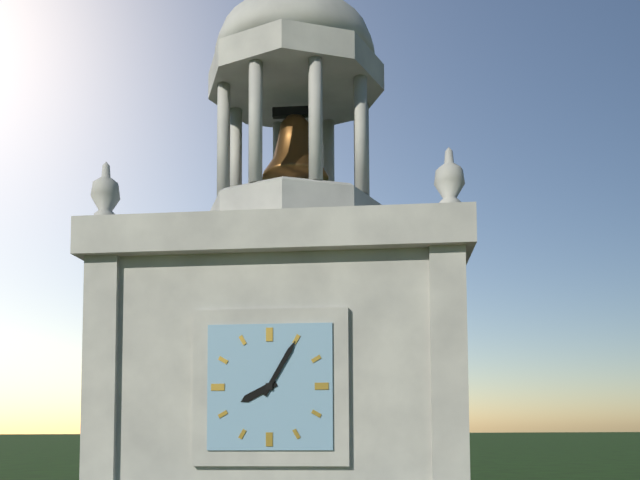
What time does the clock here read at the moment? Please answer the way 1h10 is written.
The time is 8h05
